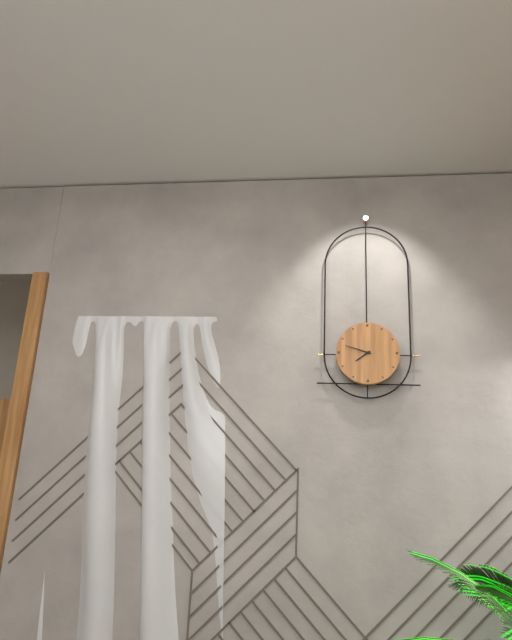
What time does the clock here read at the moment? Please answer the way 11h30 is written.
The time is 7h48
